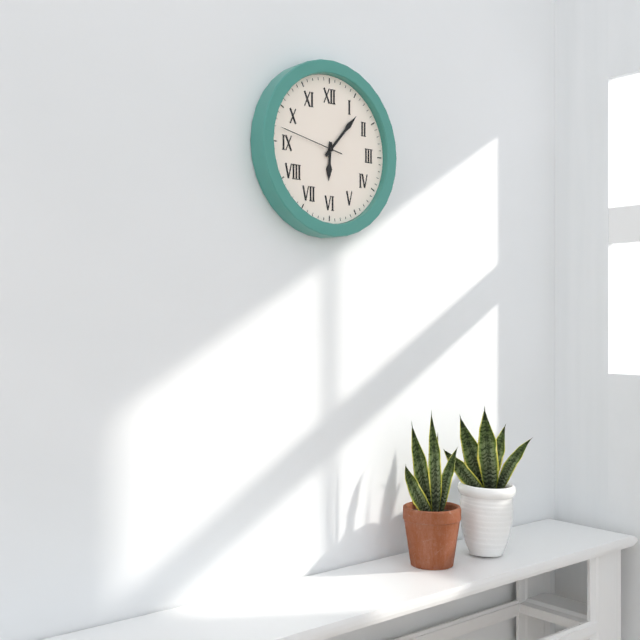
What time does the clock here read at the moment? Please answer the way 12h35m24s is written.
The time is 6h07m47s
